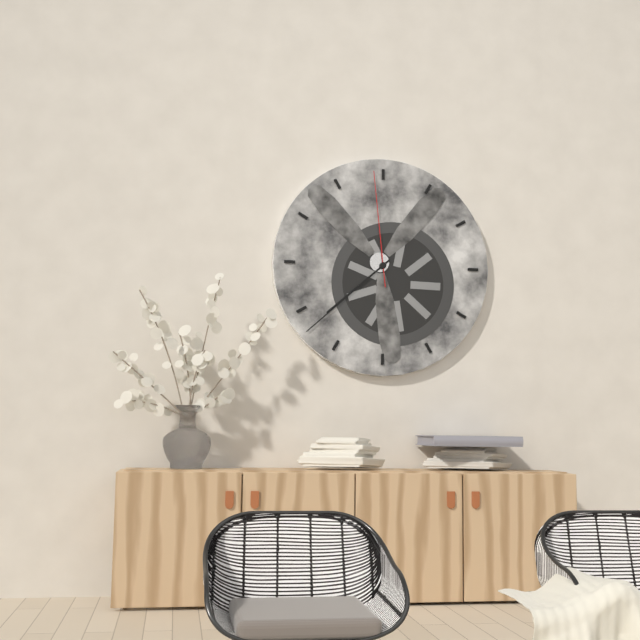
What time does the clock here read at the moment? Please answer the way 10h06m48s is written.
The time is 7h38m59s
